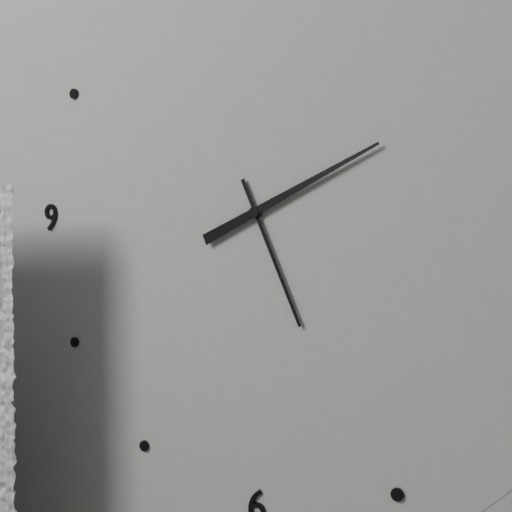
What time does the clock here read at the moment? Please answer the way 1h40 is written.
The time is 5h11
